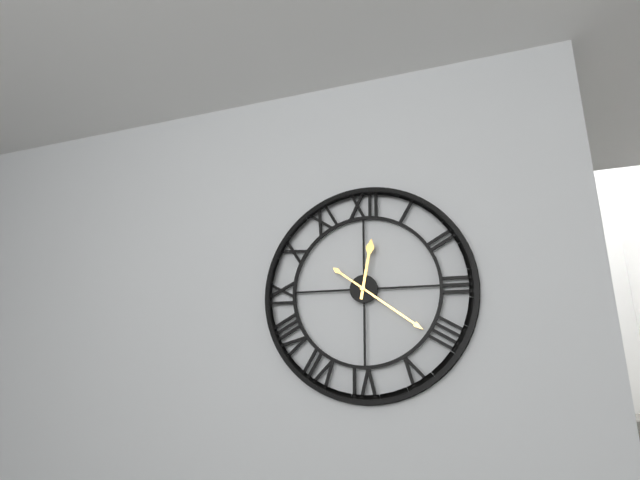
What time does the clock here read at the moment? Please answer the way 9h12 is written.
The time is 12h21
